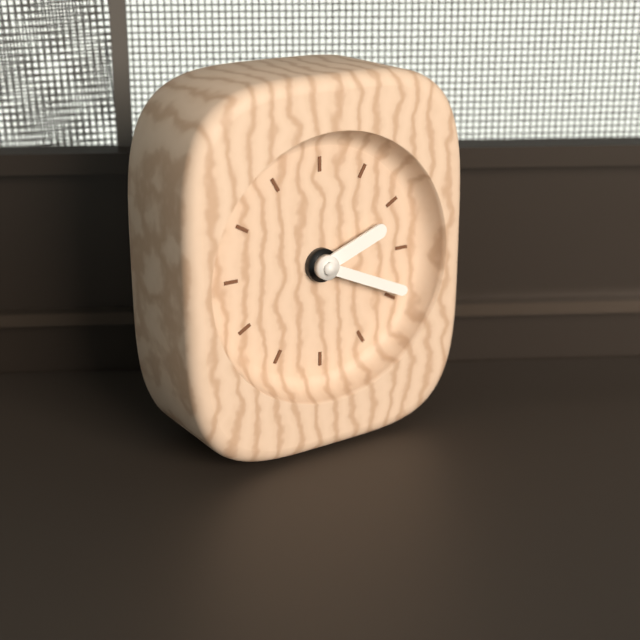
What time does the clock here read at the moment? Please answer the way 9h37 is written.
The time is 2h19
